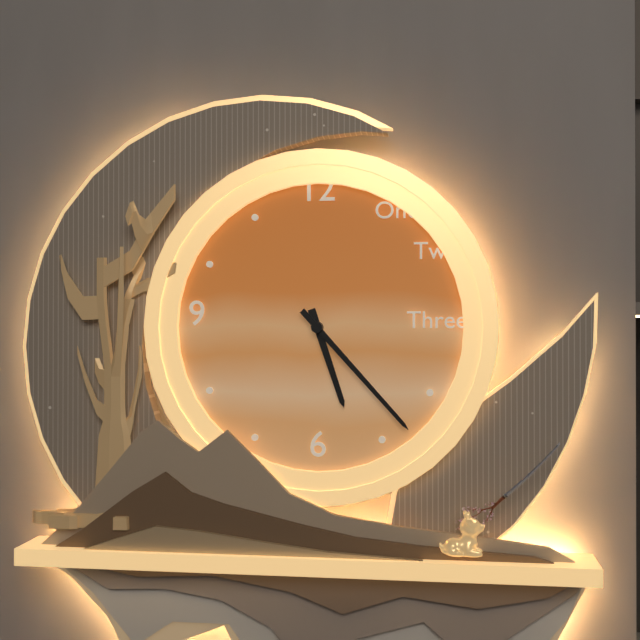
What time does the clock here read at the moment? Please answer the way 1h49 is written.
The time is 5h23
